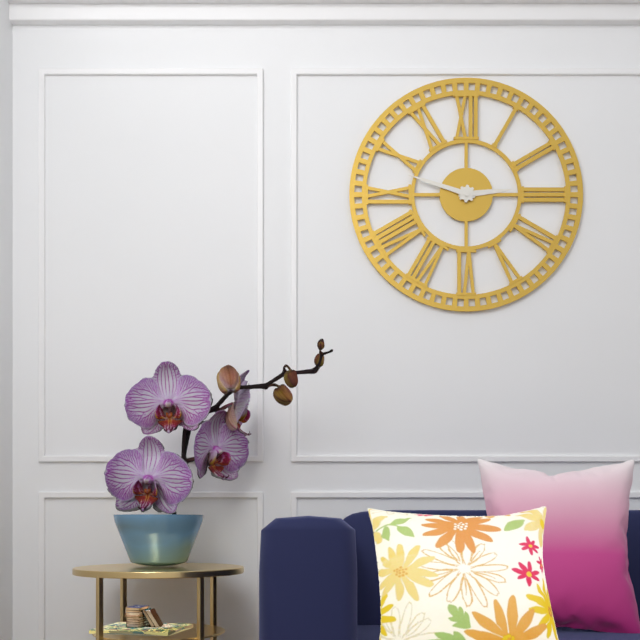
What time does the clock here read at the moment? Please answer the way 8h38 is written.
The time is 2h48
